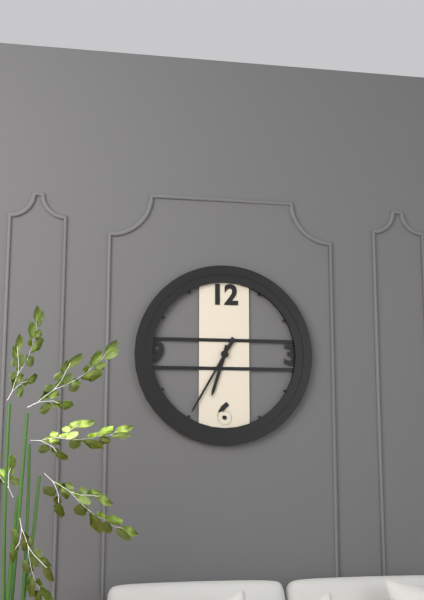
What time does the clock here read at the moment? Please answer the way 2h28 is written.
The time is 6h35
